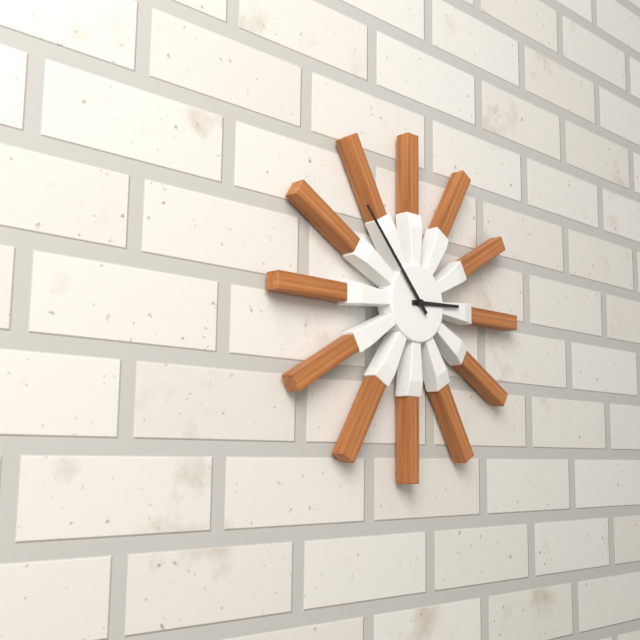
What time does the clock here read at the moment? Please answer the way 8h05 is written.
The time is 2h53
